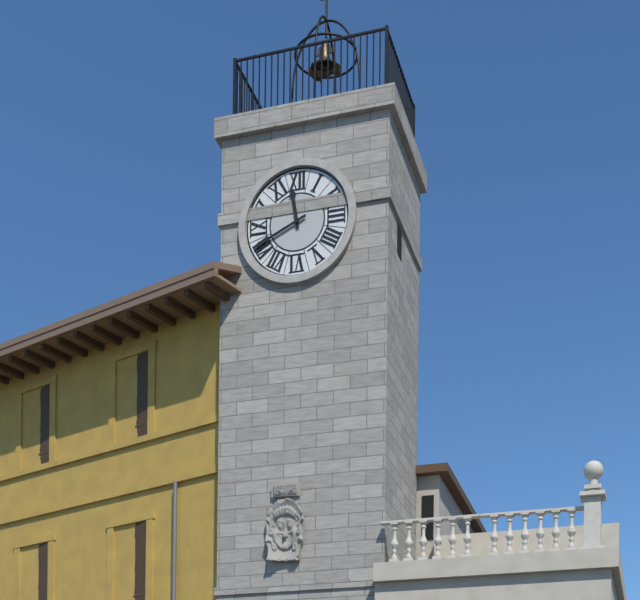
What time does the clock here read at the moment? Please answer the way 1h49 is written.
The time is 11h41
